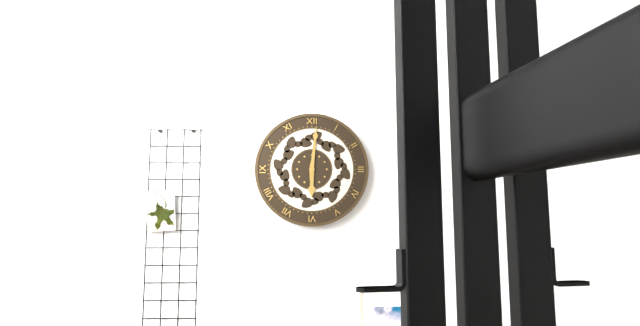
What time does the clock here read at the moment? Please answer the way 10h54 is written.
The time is 6h01
